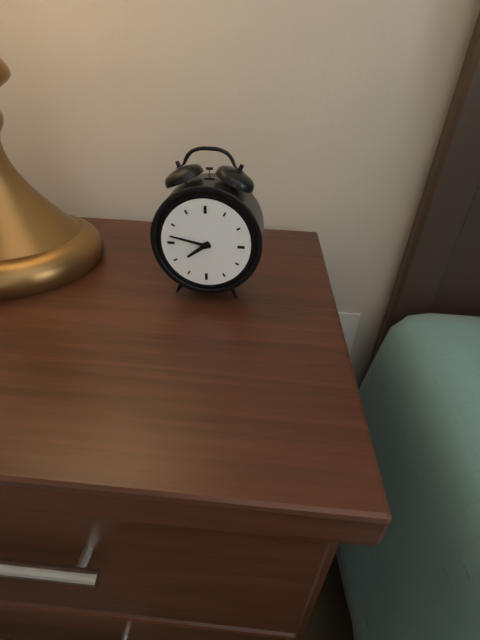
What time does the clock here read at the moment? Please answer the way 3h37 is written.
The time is 7h47
